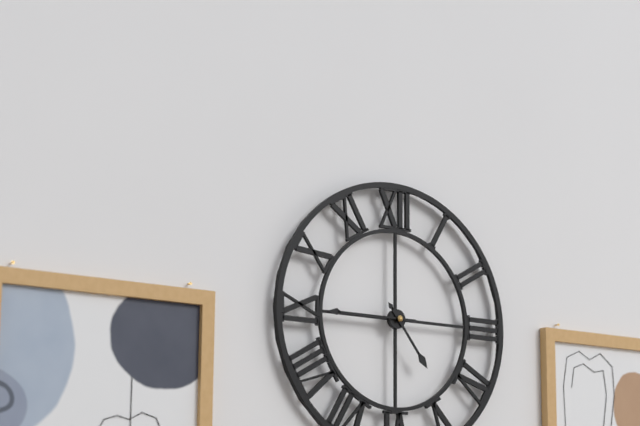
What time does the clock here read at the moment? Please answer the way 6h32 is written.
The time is 4h45
